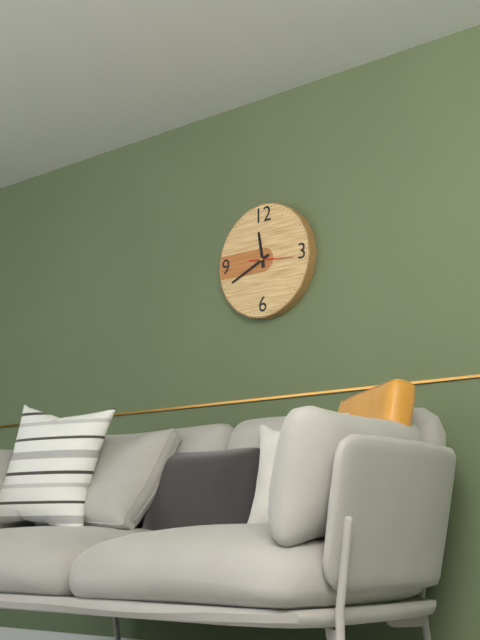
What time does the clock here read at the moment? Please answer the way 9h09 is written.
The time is 11h41
